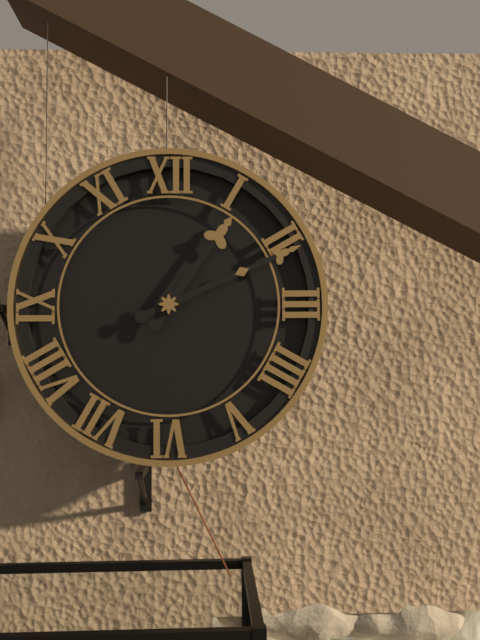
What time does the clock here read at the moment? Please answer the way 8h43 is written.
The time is 1h11
